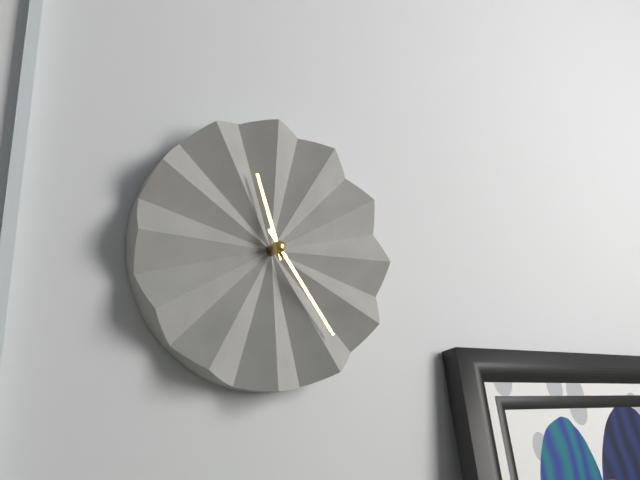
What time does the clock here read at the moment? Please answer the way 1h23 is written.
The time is 11h24
